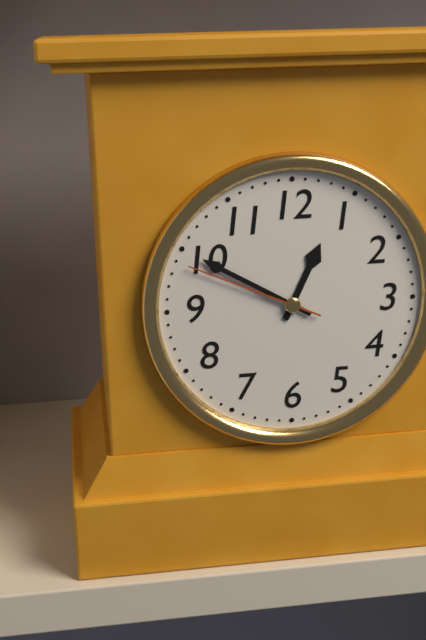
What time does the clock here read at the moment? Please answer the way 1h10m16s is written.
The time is 12h50m49s
